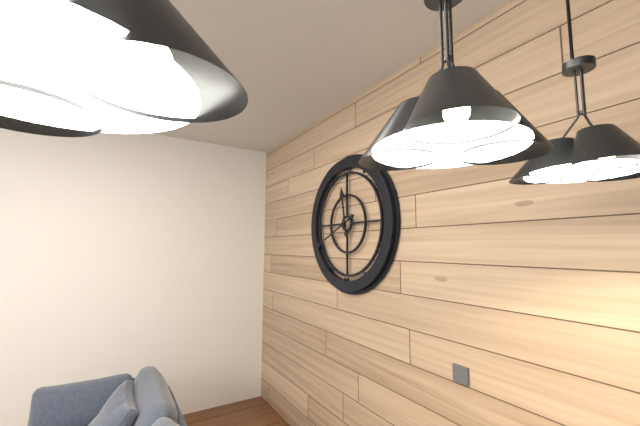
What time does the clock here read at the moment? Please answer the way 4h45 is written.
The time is 11h41
